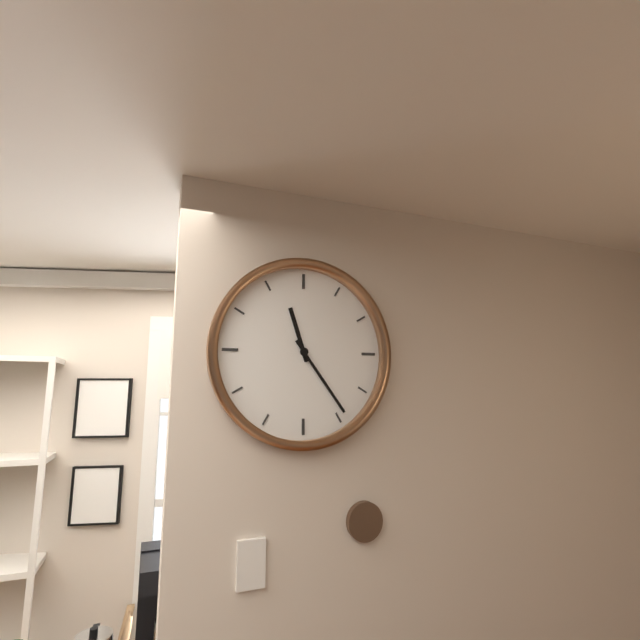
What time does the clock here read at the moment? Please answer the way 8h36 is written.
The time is 11h24
